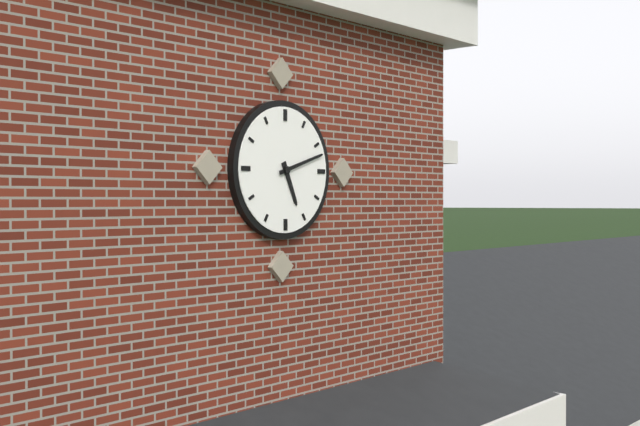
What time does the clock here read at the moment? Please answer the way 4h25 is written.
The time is 5h12
